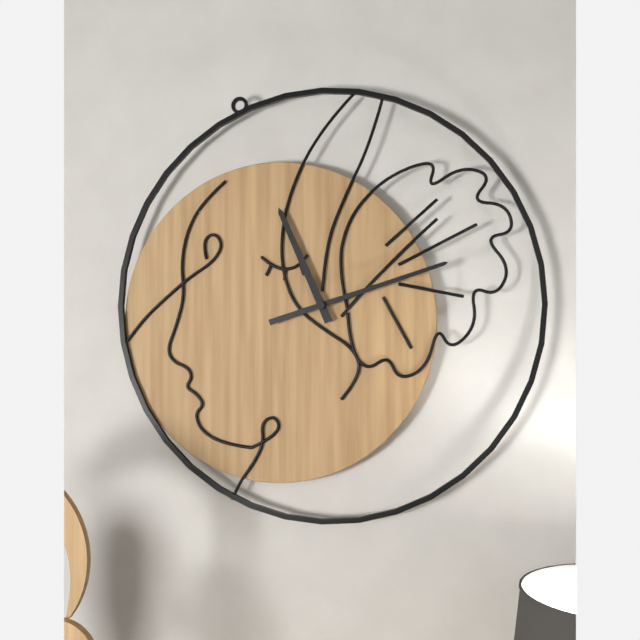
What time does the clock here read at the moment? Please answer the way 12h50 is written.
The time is 11h12
